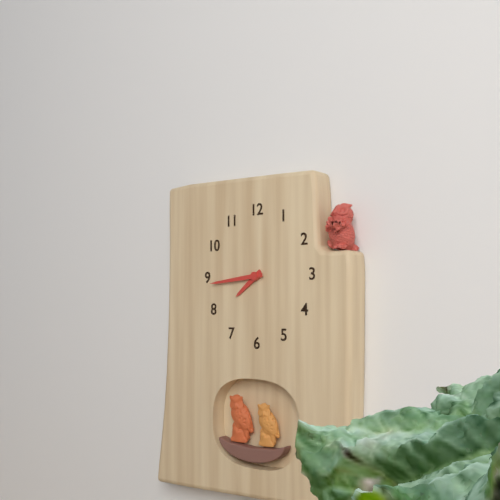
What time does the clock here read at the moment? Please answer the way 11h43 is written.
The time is 7h44
